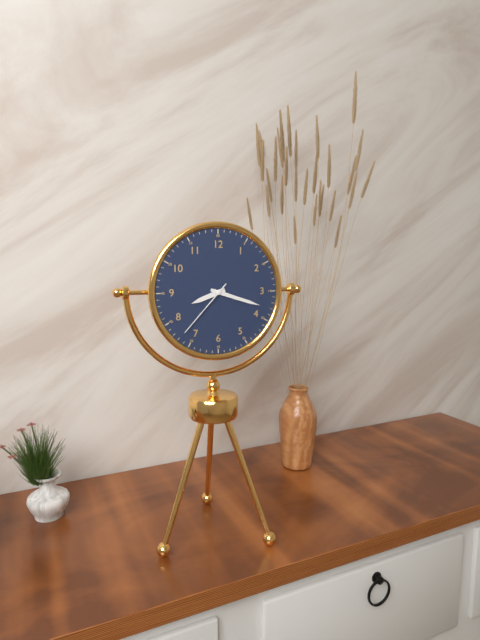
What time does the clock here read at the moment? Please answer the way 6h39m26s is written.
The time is 8h18m37s
